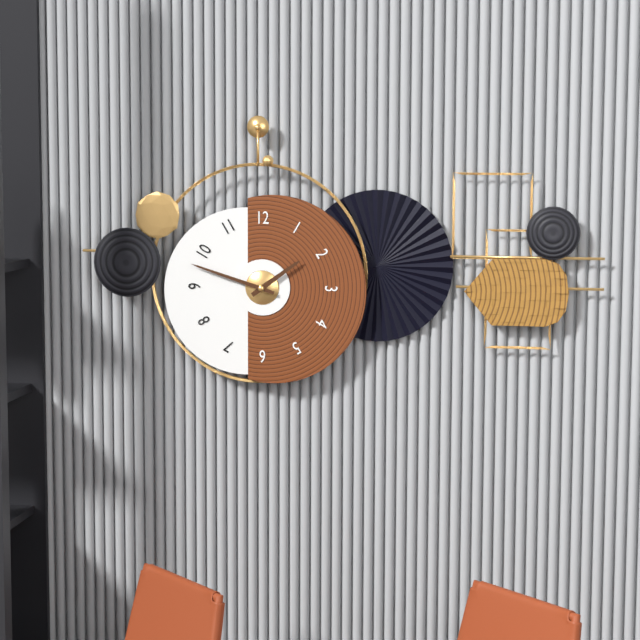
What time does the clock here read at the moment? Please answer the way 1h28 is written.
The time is 1h48
